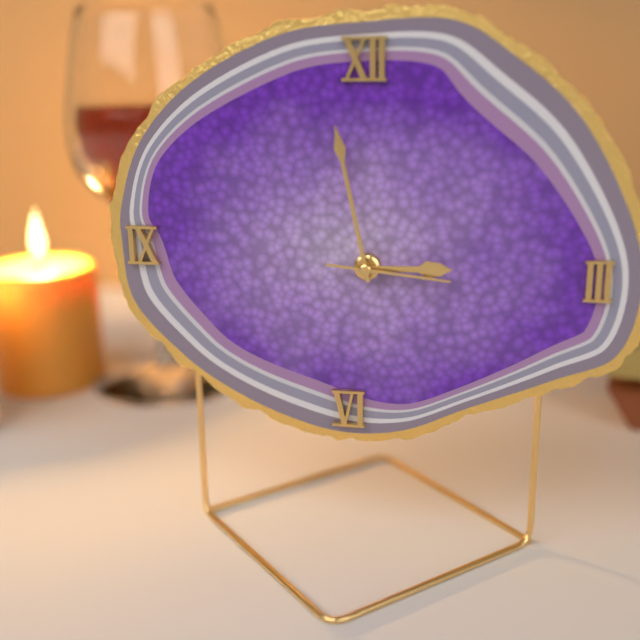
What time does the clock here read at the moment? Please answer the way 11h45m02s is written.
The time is 2h58m16s
